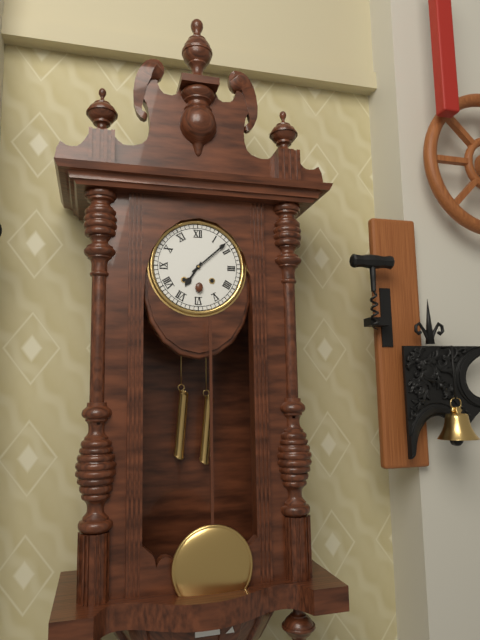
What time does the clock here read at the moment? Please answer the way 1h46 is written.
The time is 7h08
